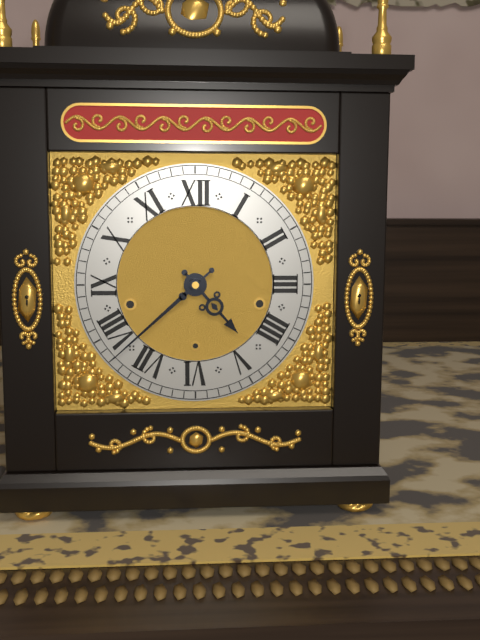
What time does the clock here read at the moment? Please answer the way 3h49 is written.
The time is 4h38
